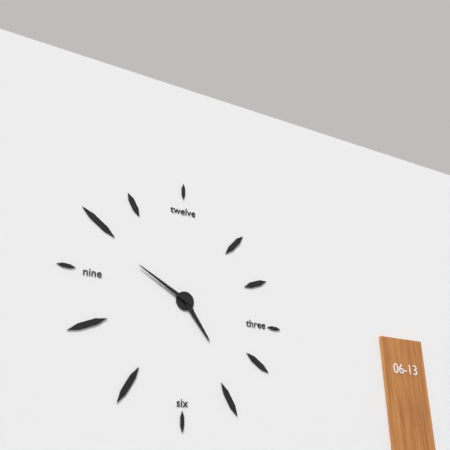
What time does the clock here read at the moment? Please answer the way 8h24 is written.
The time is 4h50
